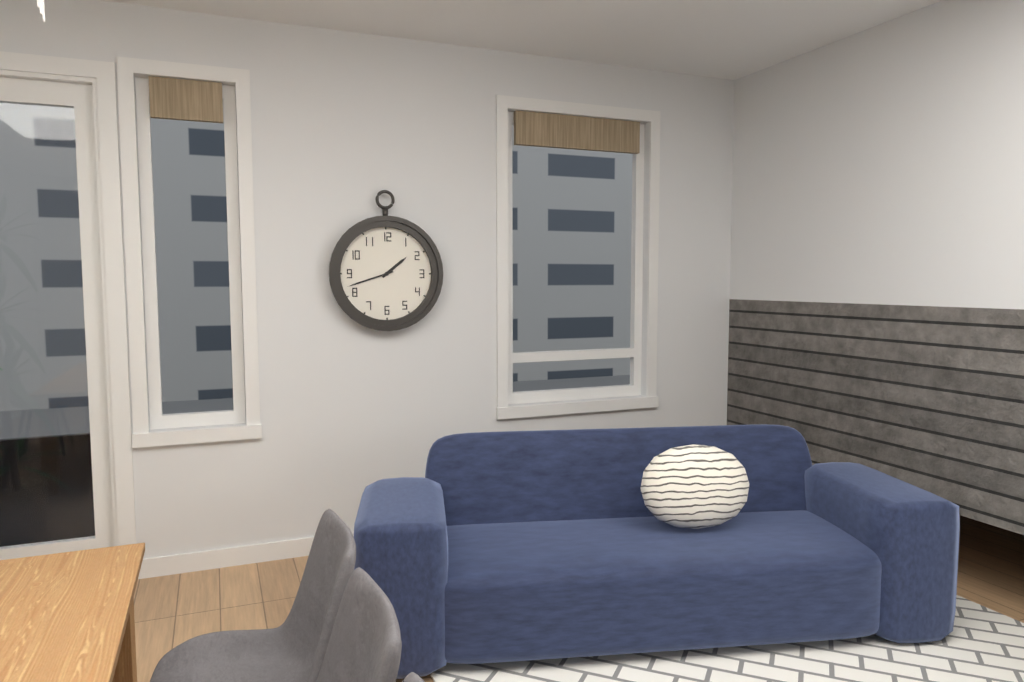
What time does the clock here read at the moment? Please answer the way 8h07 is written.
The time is 1h42
